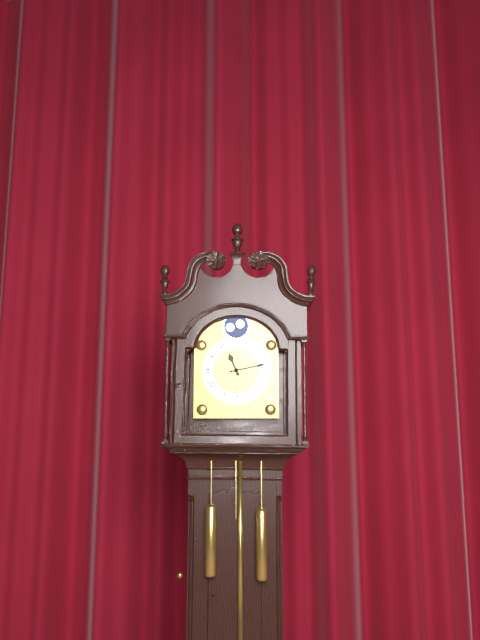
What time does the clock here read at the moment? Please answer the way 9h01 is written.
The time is 11h13
